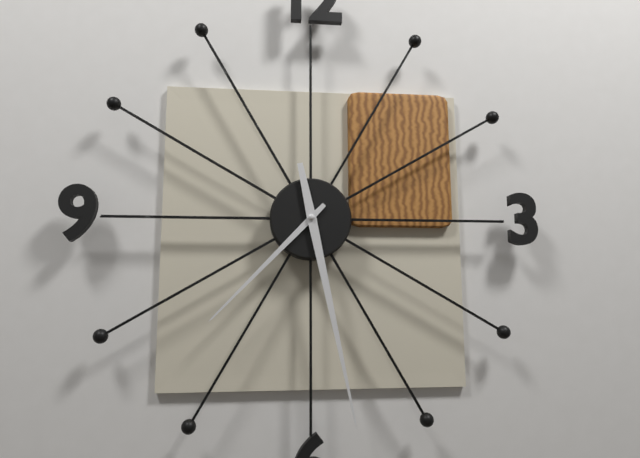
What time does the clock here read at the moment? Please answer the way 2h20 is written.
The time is 7h28
